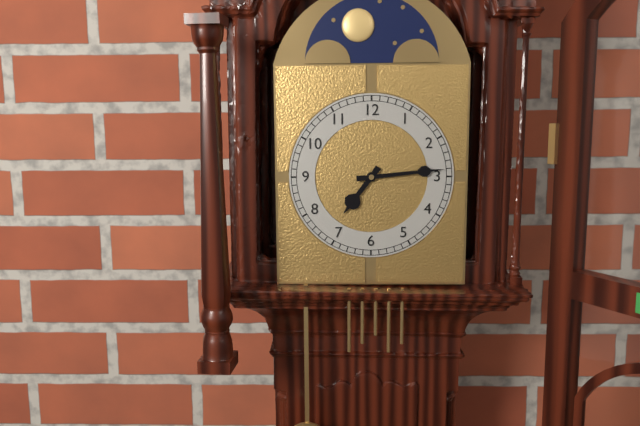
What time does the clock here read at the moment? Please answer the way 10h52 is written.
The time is 7h14
